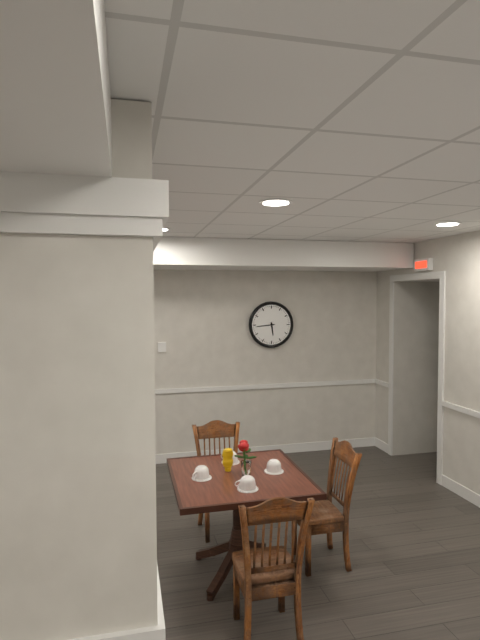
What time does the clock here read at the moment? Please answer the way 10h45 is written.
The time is 5h44
